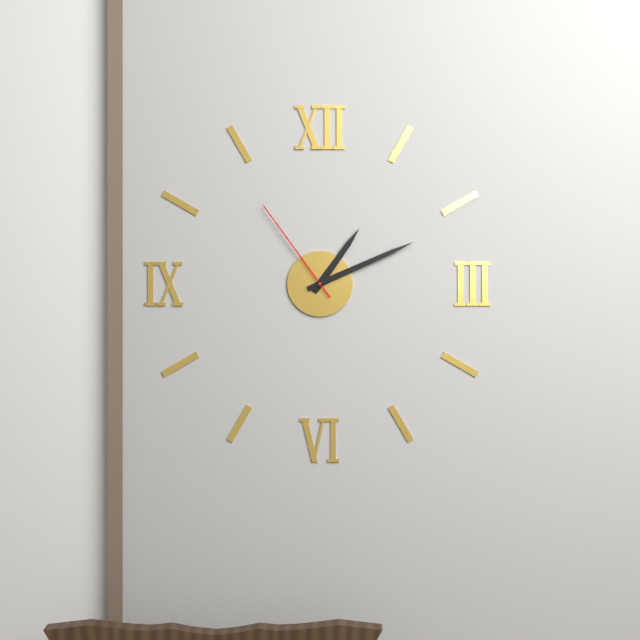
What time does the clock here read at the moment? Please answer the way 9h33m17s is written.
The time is 1h11m54s
